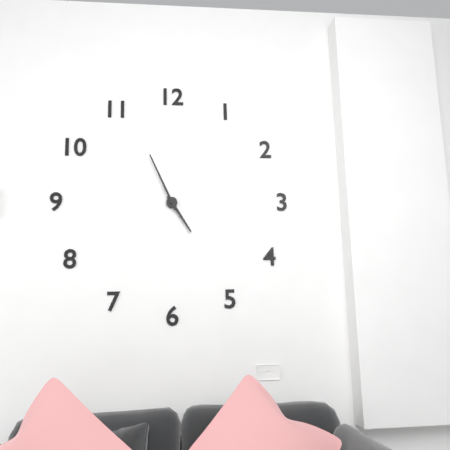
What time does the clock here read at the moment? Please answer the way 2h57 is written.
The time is 4h56
